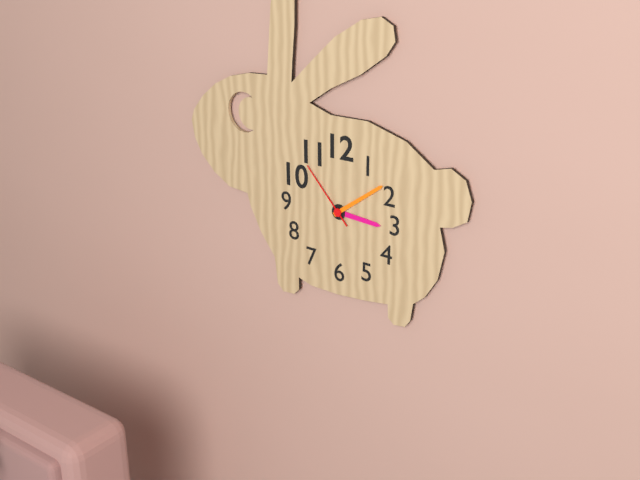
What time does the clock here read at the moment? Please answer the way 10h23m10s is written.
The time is 3h09m53s
